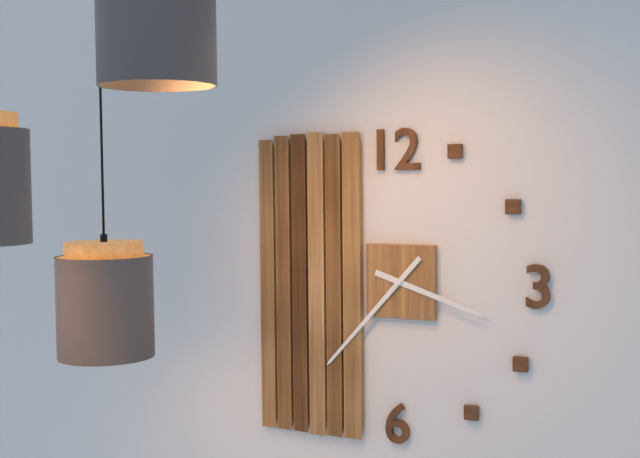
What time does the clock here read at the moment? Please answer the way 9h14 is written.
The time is 3h37
